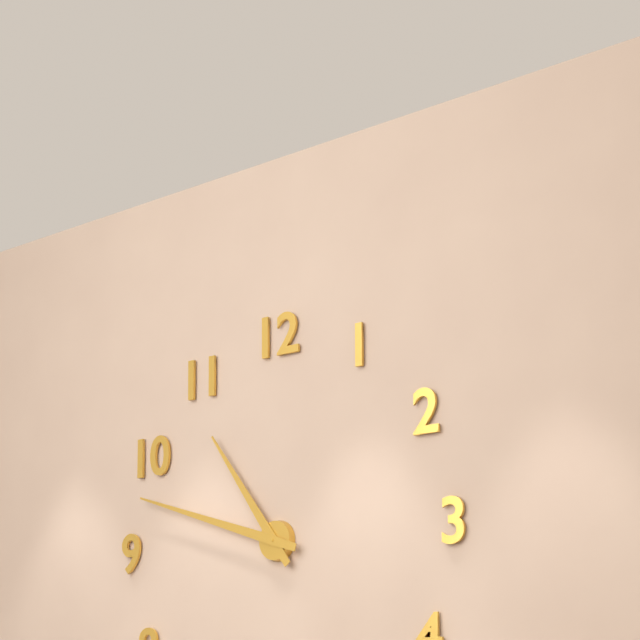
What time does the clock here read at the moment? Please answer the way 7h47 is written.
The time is 10h48
